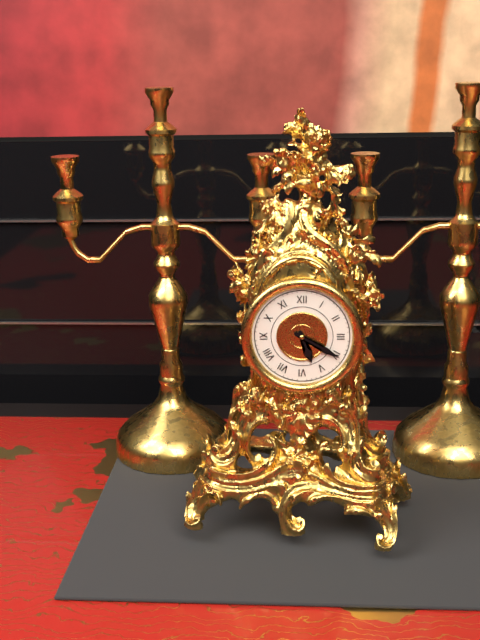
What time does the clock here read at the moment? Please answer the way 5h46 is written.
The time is 5h20
